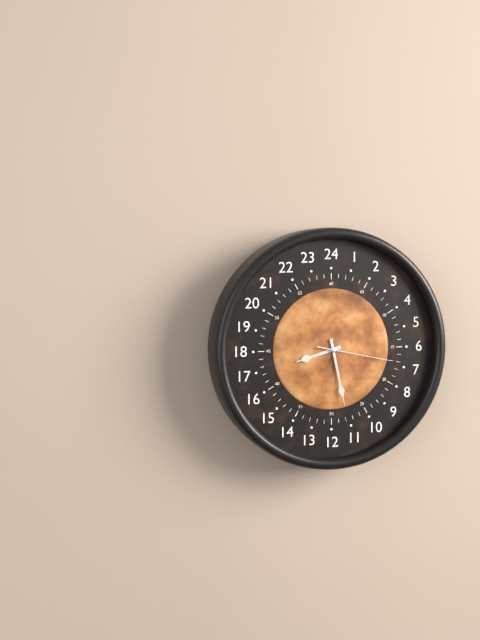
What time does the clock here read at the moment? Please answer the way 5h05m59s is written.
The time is 8h28m17s
